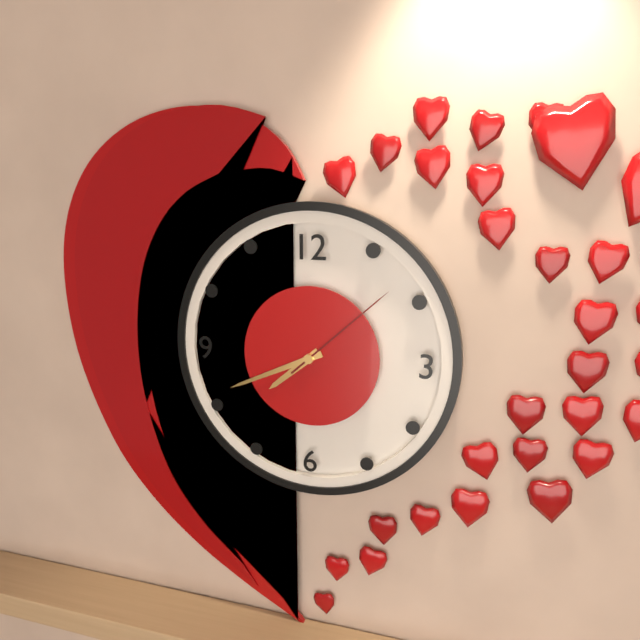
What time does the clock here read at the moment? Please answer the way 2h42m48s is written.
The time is 7h41m08s
